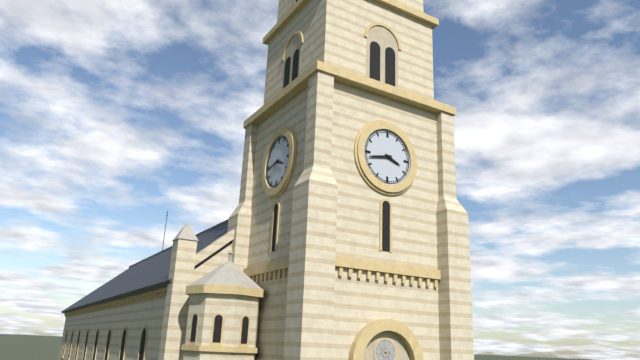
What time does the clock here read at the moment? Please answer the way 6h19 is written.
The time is 3h43
